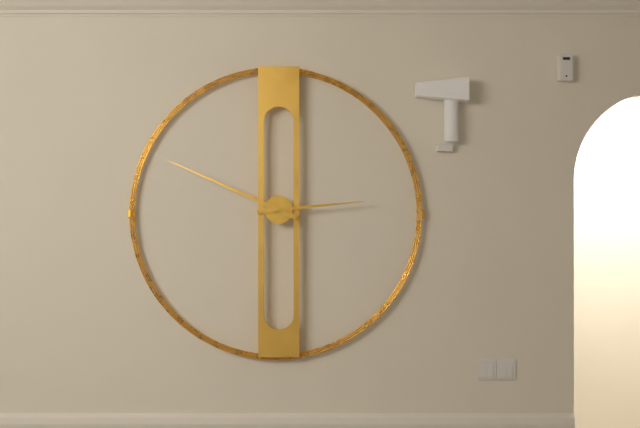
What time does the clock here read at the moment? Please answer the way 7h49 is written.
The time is 2h49
